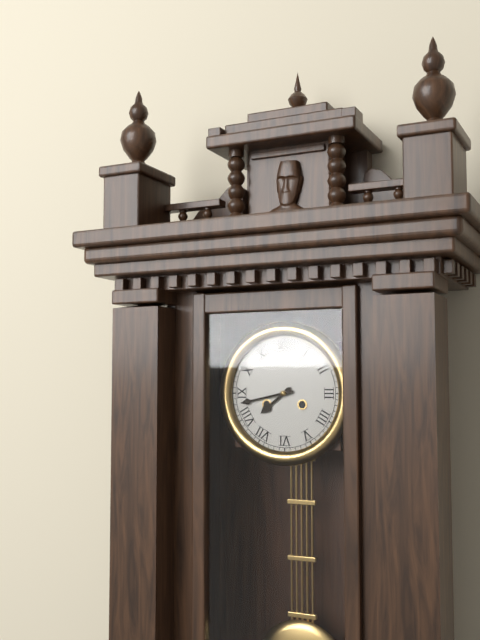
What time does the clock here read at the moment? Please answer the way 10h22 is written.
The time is 7h43
